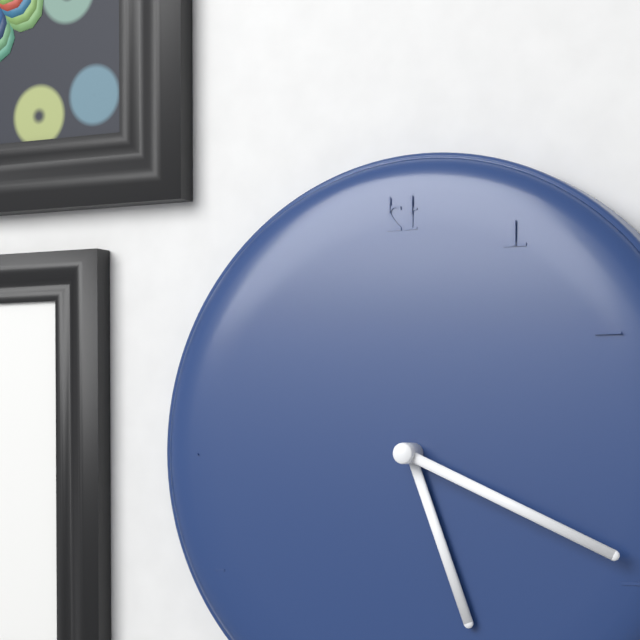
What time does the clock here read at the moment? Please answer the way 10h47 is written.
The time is 5h19
